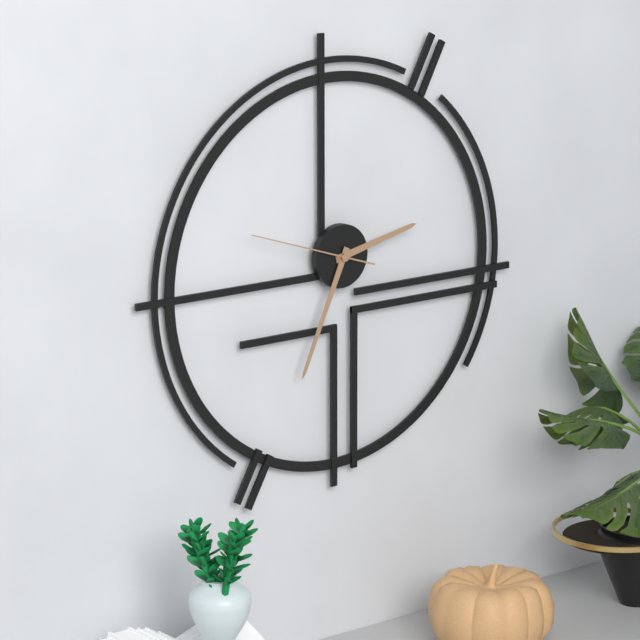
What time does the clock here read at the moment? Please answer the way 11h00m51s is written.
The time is 2h34m48s
